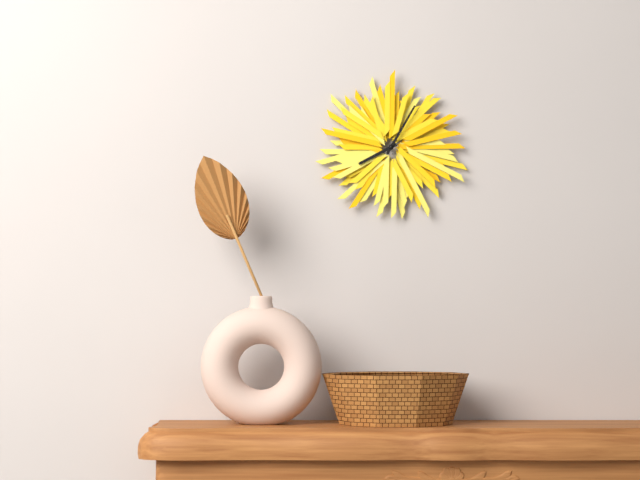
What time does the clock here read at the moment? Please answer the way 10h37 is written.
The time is 8h05
